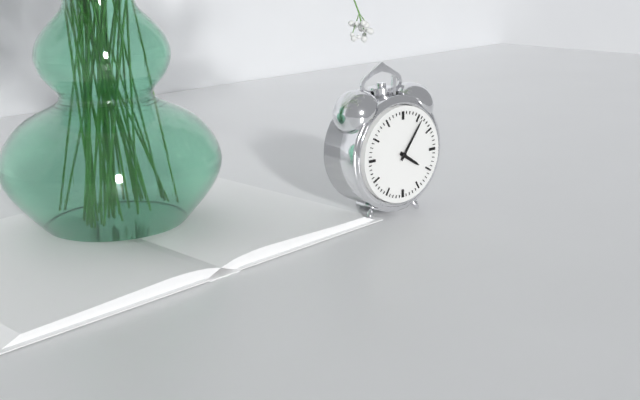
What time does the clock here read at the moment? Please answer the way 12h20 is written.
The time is 4h06
